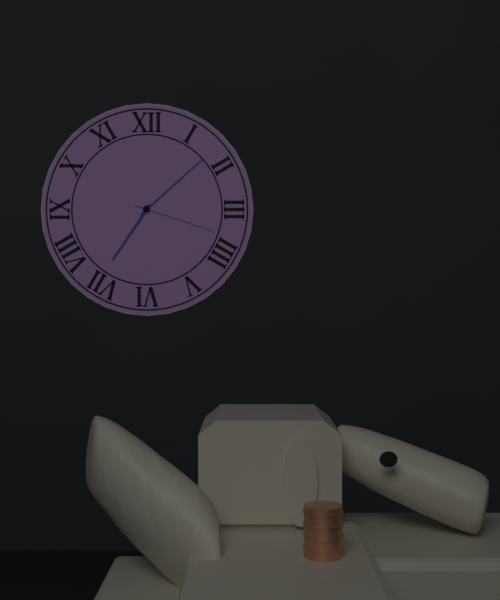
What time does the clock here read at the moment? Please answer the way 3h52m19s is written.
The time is 7h08m18s
